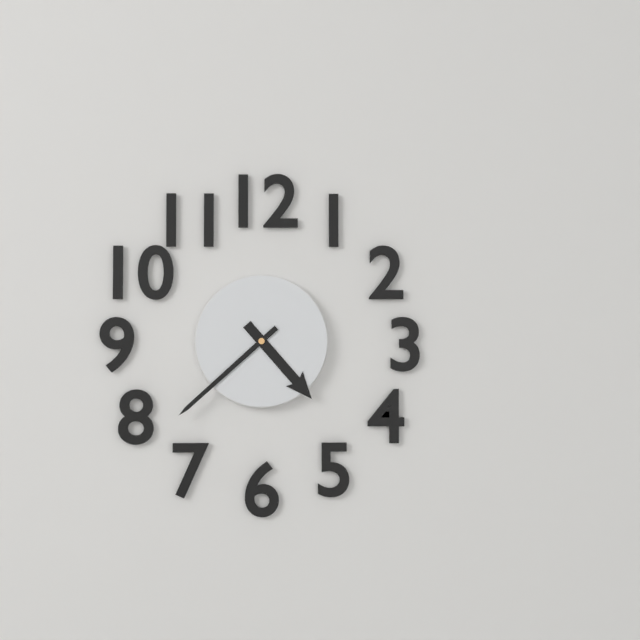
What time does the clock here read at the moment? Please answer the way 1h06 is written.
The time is 4h38
